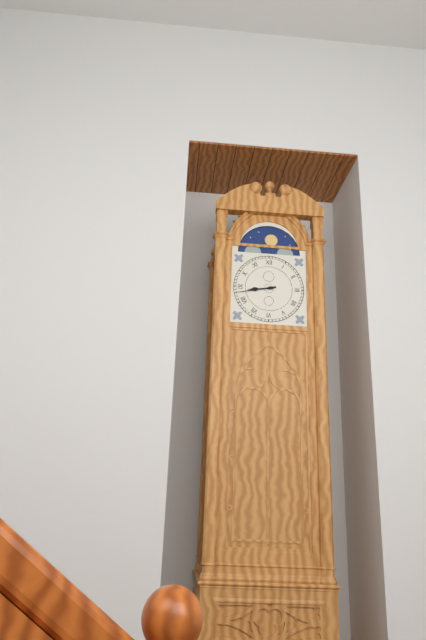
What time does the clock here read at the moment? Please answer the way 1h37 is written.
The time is 8h43
